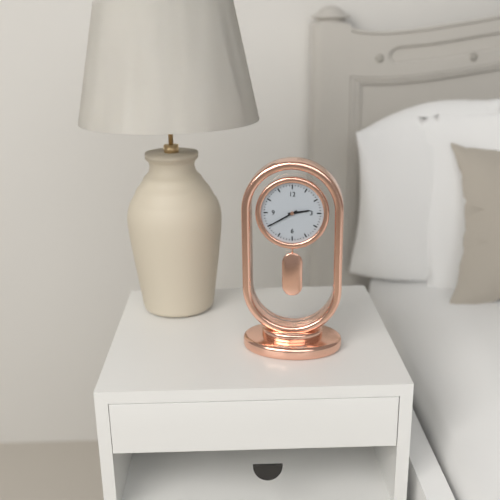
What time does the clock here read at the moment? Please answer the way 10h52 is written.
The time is 2h40
